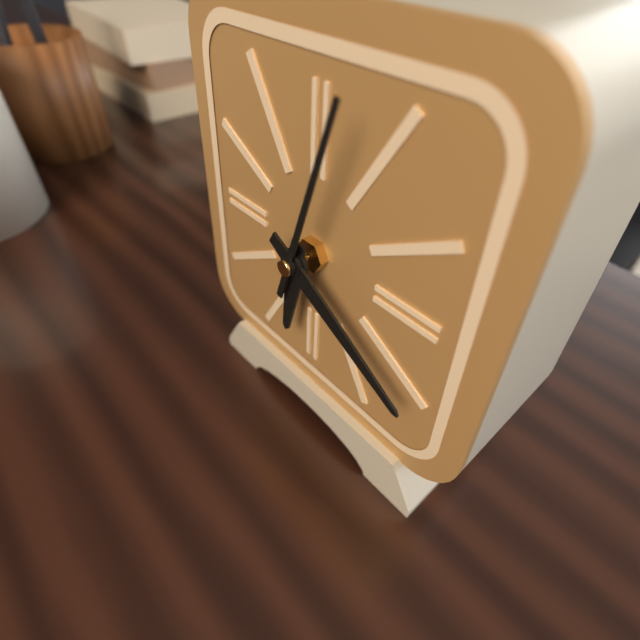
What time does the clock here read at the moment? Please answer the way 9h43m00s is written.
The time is 6h20m03s
